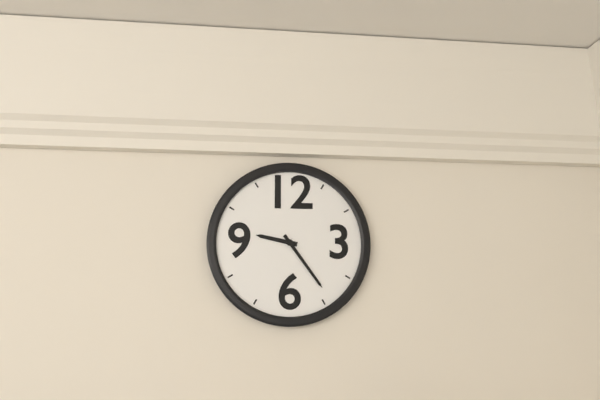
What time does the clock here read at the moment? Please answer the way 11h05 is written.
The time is 9h24
